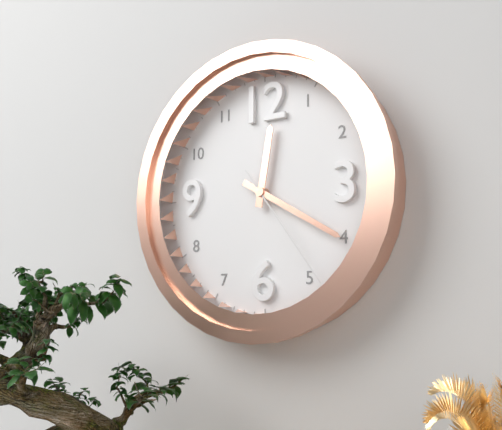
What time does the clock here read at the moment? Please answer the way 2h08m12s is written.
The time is 12h20m24s
